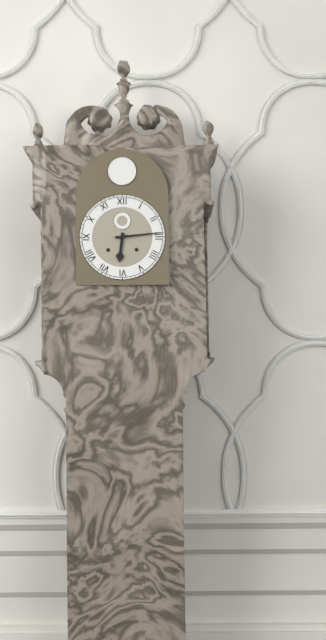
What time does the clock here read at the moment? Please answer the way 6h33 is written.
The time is 6h14
